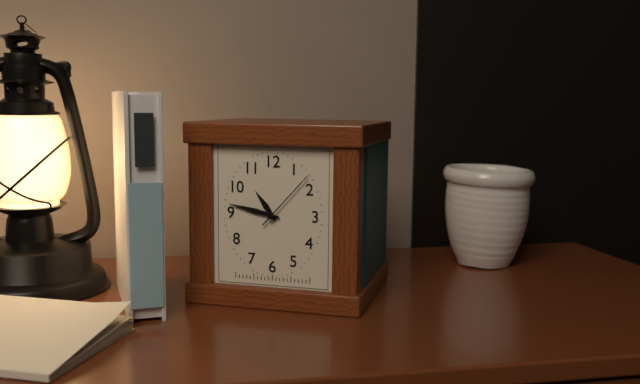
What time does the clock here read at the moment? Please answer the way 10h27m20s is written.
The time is 10h47m07s
